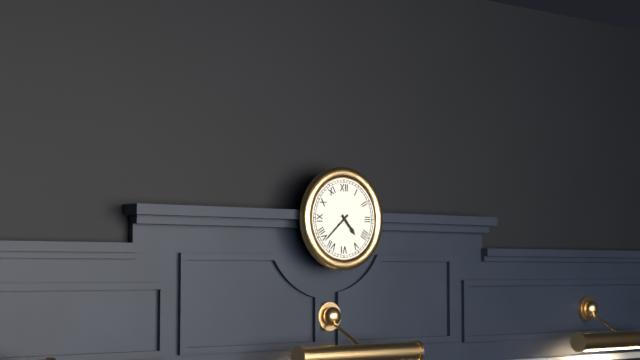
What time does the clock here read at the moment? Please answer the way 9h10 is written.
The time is 4h38
